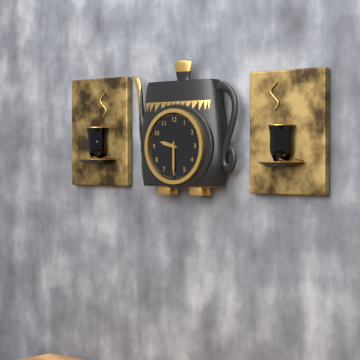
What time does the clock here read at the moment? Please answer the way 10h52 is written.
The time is 9h30
